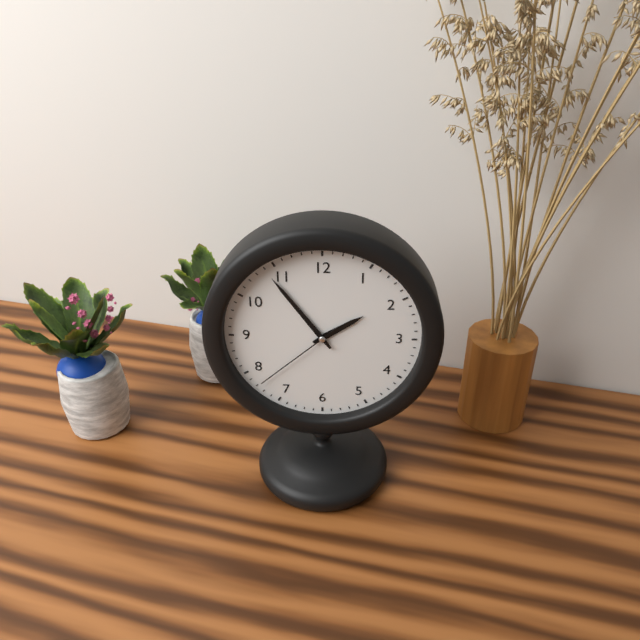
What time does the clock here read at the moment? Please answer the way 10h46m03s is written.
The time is 1h54m38s
